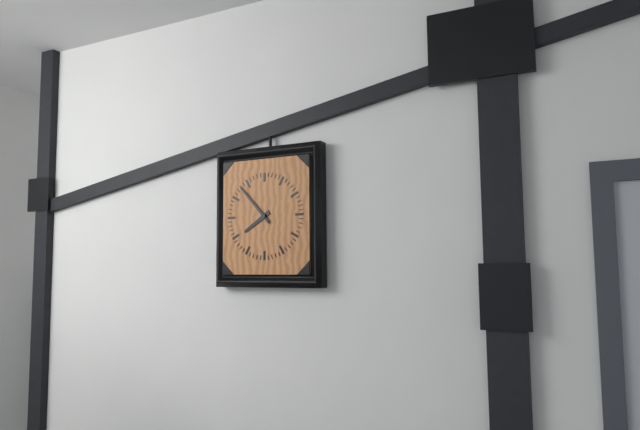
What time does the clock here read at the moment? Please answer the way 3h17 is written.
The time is 7h53
